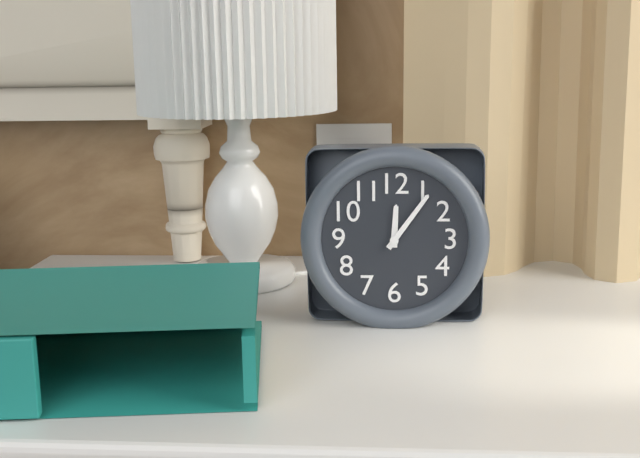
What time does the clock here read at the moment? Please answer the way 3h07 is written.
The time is 12h06
